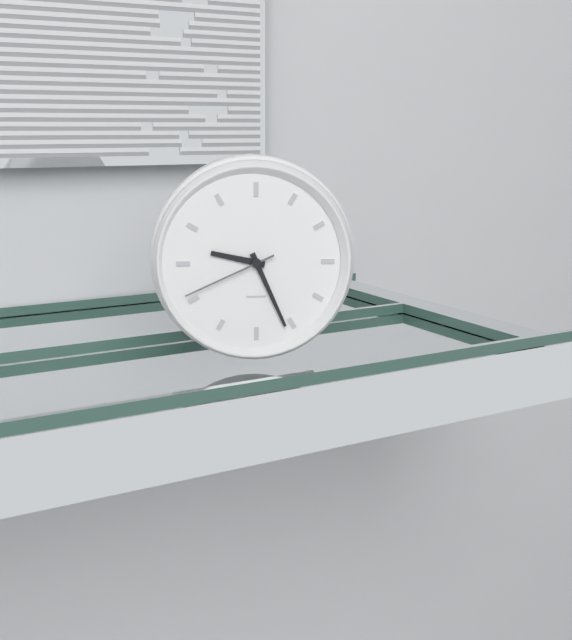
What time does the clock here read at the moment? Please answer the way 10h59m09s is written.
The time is 9h26m41s
